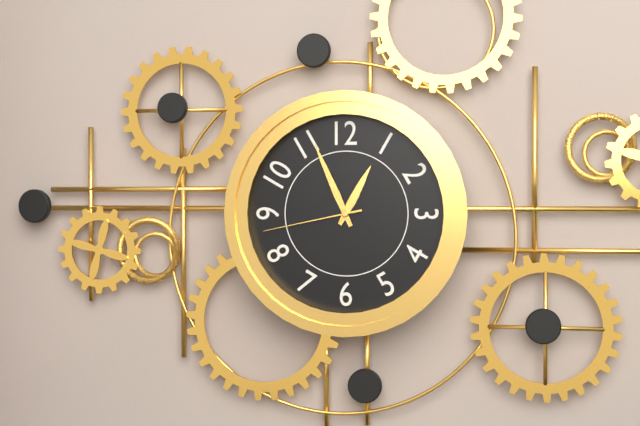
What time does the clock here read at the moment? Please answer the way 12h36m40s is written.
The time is 12h56m43s
